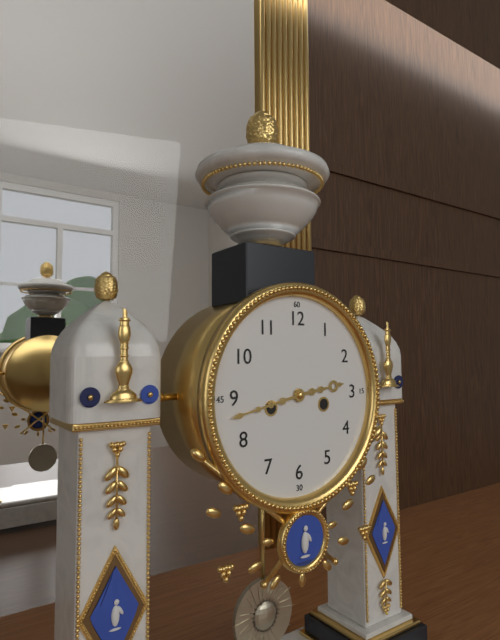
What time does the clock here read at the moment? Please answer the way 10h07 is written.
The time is 2h43
